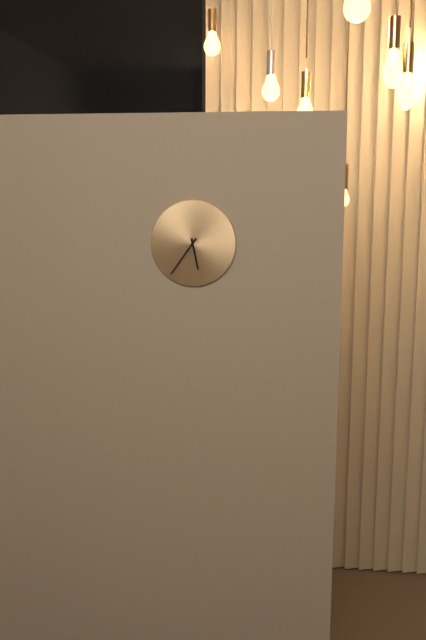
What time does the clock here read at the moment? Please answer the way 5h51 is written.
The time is 5h36
